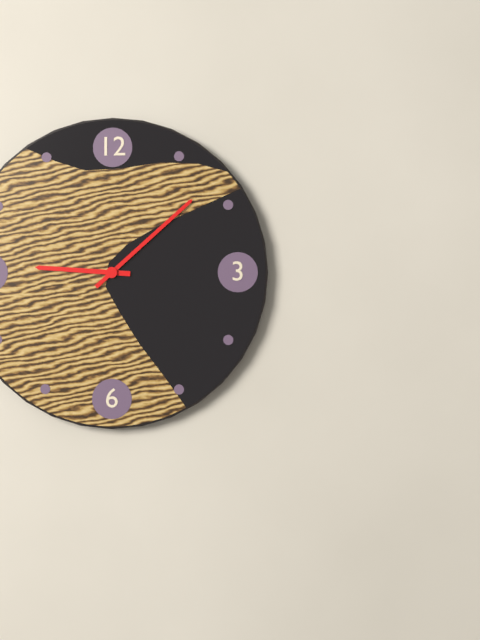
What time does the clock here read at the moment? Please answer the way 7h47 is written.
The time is 9h08
